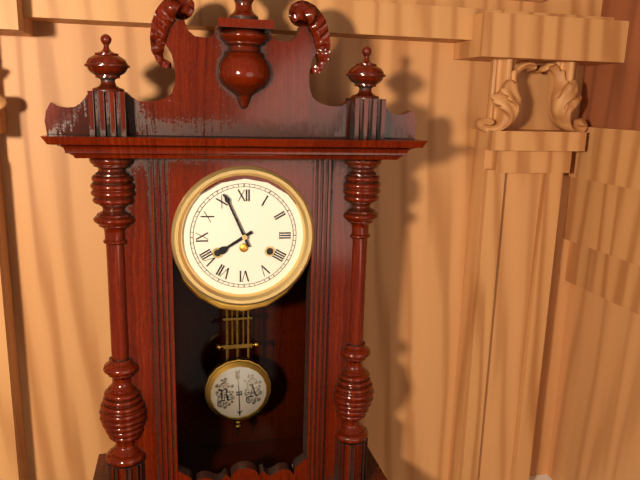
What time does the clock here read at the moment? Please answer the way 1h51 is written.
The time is 7h56
